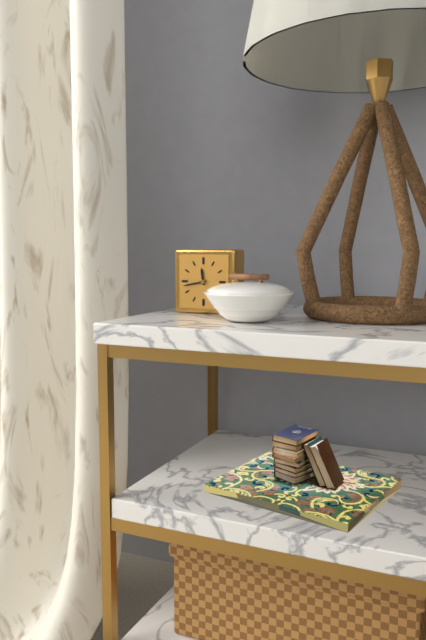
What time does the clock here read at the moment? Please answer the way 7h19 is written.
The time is 11h43
